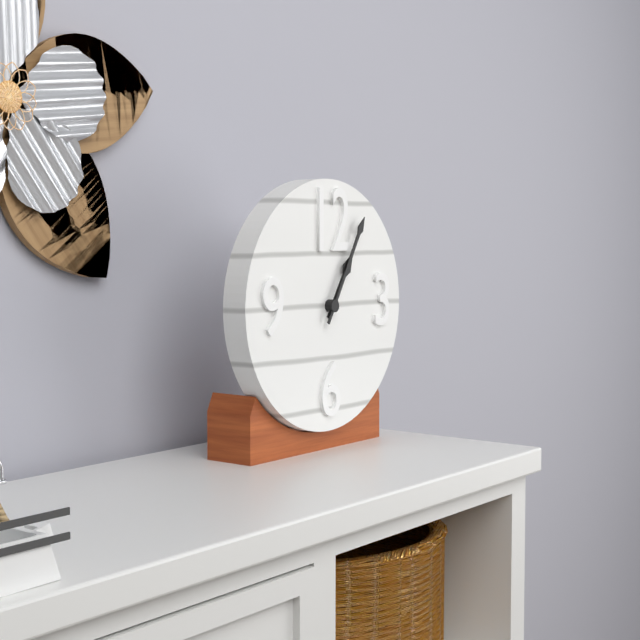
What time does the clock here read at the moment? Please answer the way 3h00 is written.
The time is 1h05
